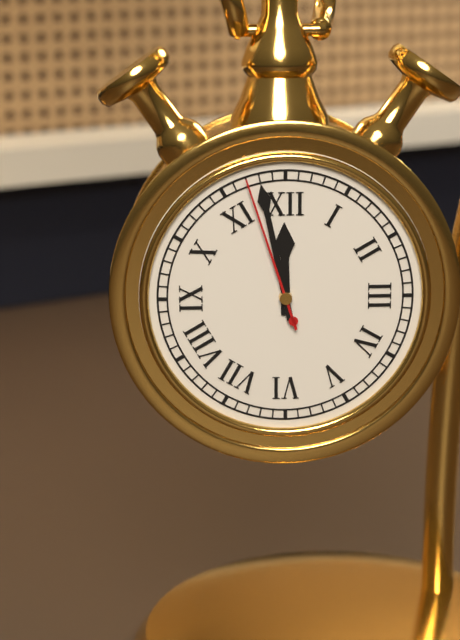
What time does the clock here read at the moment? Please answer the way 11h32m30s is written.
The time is 11h58m57s
